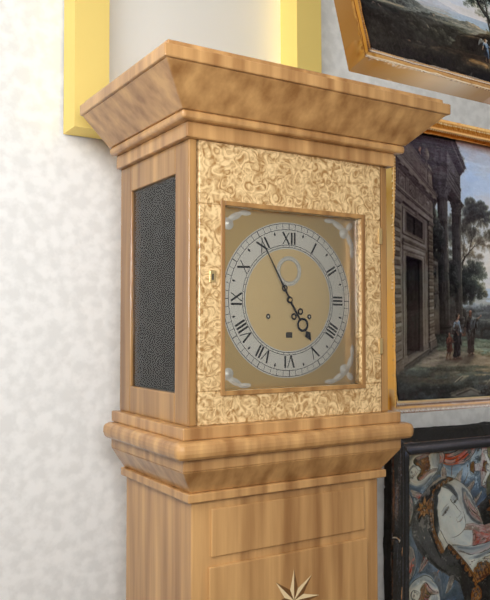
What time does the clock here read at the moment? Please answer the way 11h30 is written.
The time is 4h55
